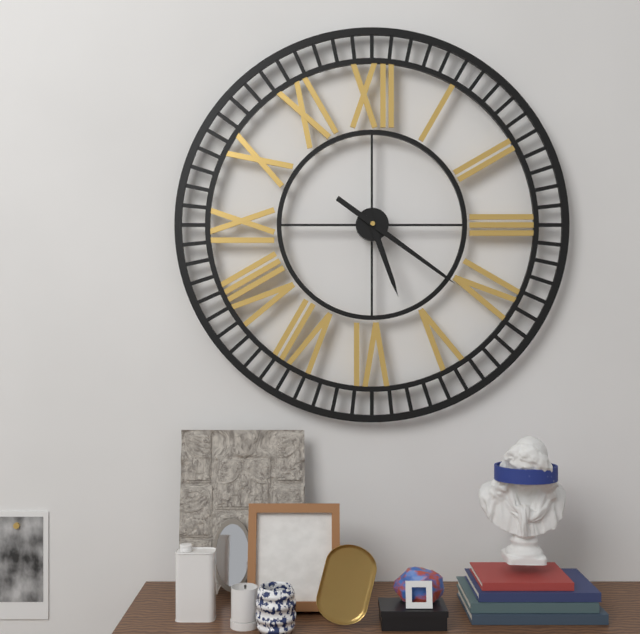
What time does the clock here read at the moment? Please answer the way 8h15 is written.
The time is 5h21
